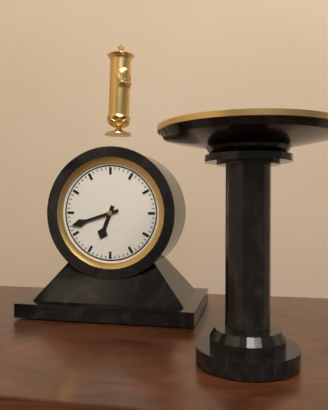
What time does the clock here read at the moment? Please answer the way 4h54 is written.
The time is 6h42
